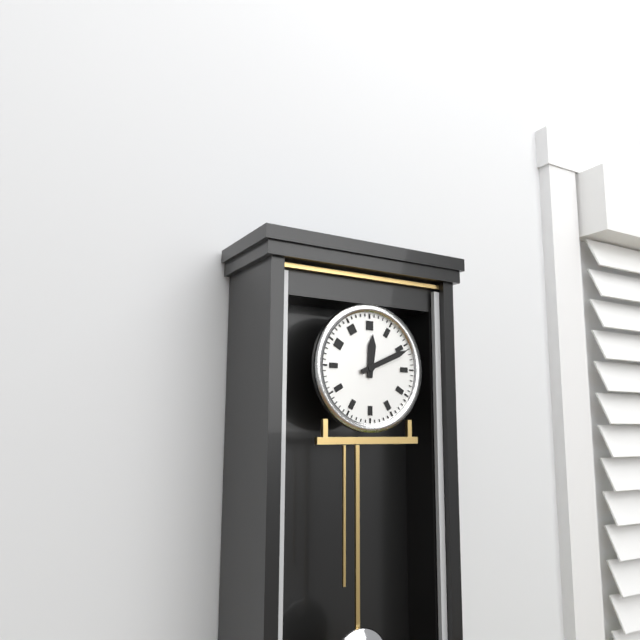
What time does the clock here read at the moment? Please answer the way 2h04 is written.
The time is 12h11
